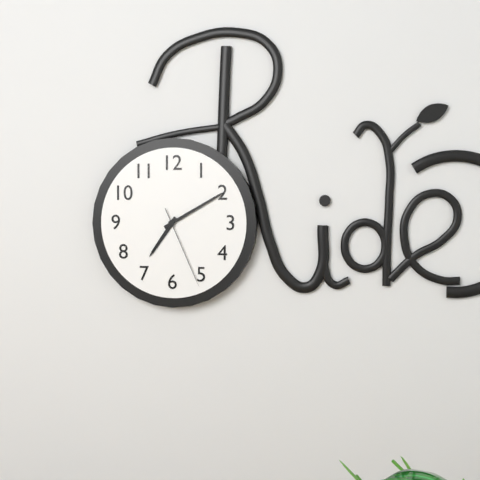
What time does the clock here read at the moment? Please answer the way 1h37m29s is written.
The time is 7h10m26s
